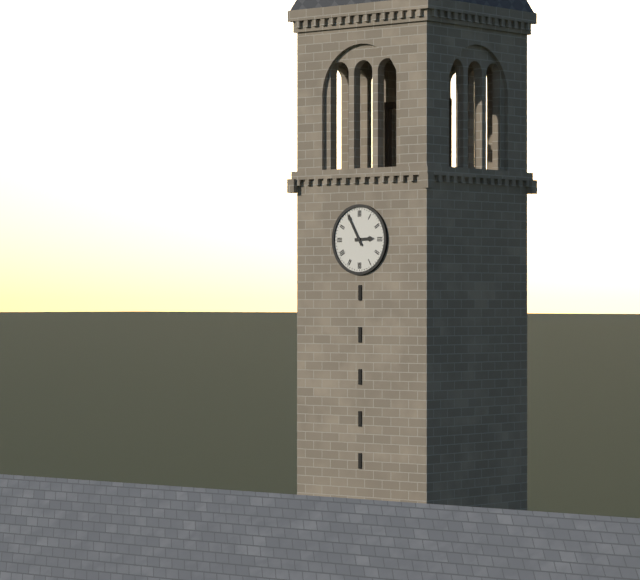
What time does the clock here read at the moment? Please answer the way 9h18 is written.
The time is 2h55
